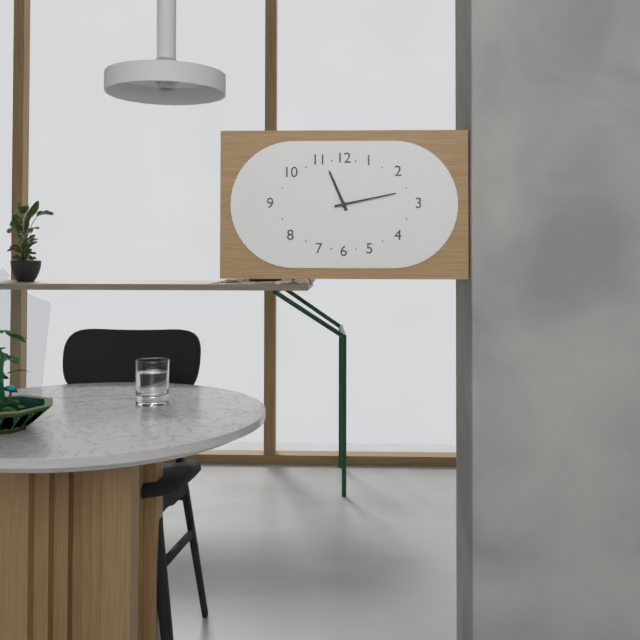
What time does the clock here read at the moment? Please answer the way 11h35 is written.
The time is 11h13
